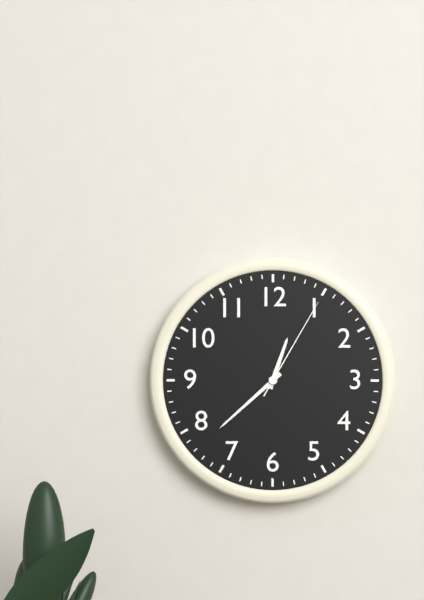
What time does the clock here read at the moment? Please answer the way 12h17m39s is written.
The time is 12h38m05s
